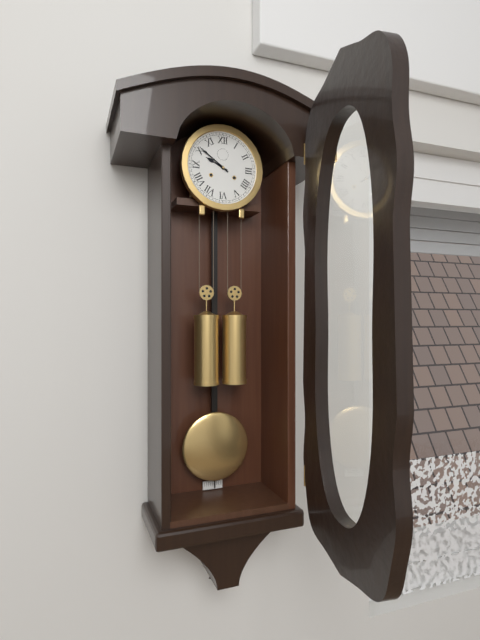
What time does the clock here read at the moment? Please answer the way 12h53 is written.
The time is 9h51
